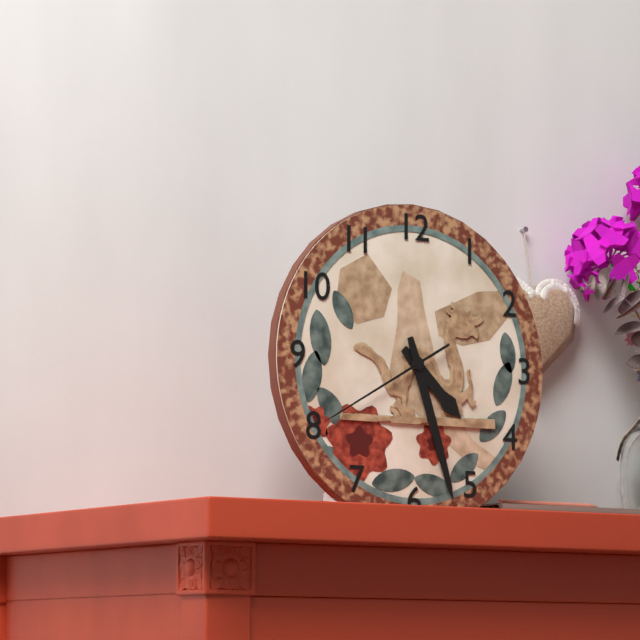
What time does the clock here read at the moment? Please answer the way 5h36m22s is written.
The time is 4h27m40s
